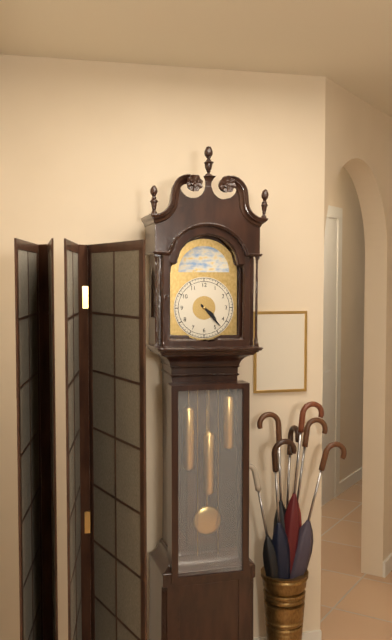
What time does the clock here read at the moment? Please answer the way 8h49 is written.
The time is 4h23
